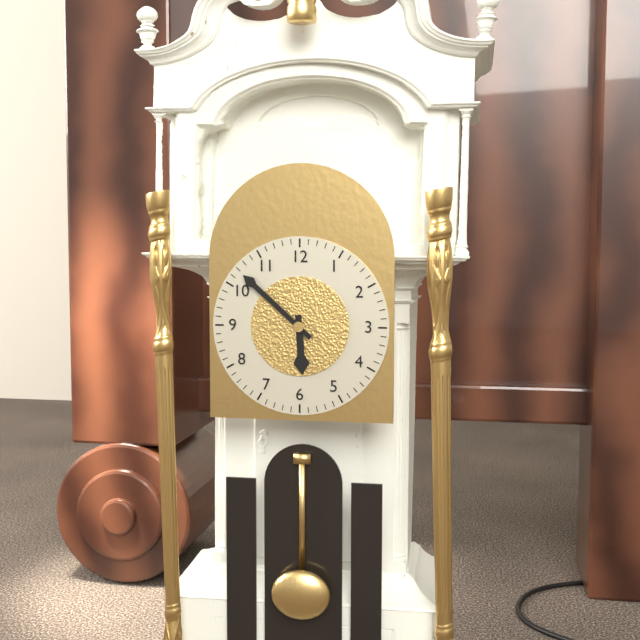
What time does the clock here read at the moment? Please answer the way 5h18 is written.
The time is 5h52
